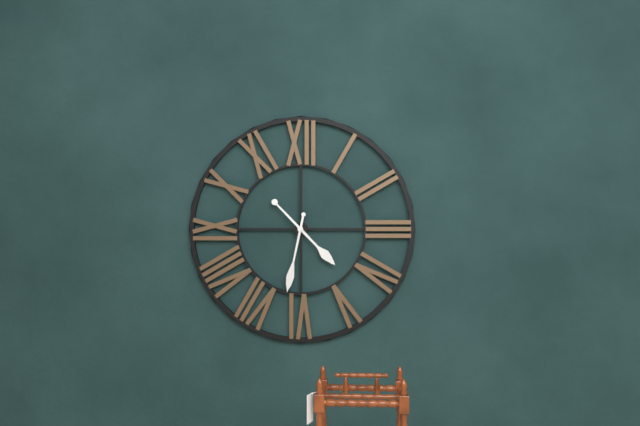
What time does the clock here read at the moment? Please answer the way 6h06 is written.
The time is 4h32
